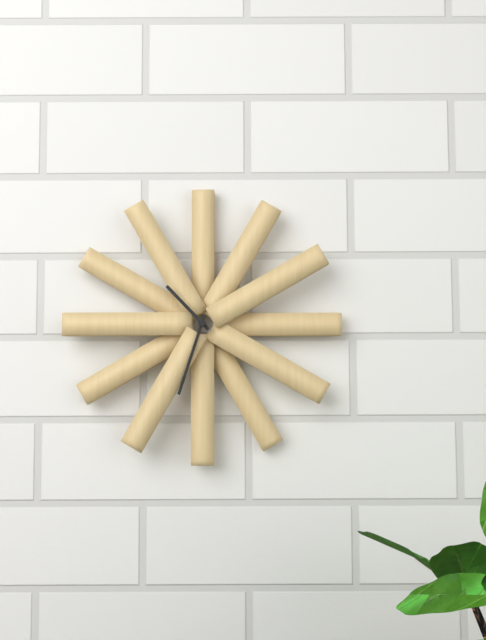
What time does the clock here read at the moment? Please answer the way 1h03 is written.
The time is 10h33
